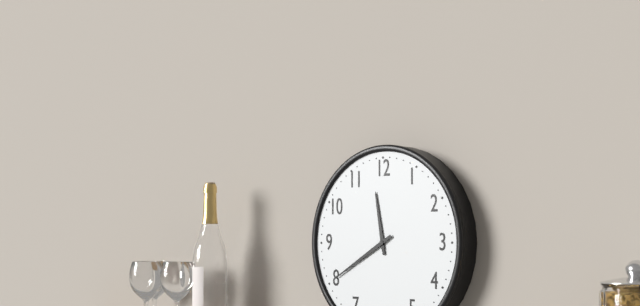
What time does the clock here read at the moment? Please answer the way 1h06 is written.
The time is 11h40
